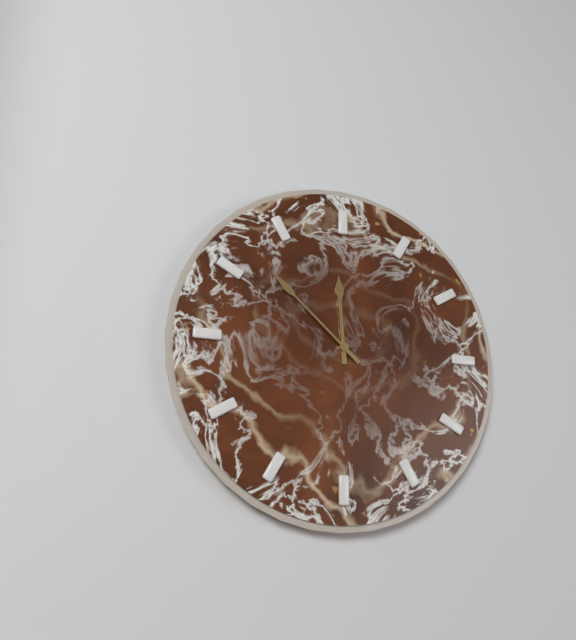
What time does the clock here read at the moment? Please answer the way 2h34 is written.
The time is 11h52
